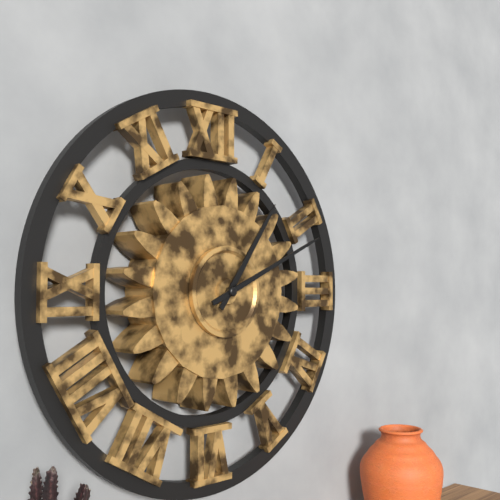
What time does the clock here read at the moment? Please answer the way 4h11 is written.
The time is 1h11
